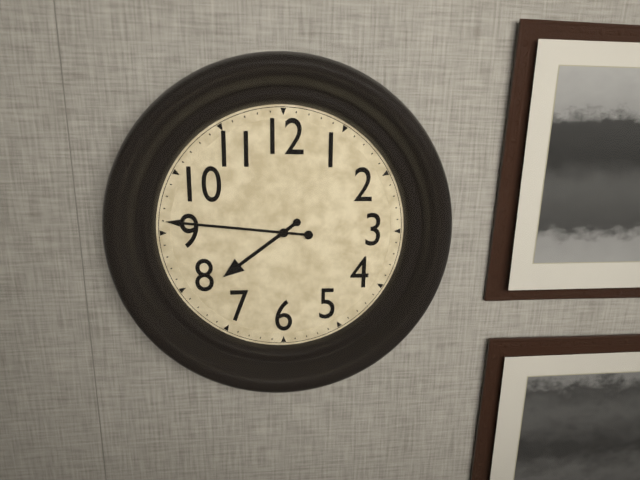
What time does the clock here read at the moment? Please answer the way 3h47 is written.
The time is 7h46
